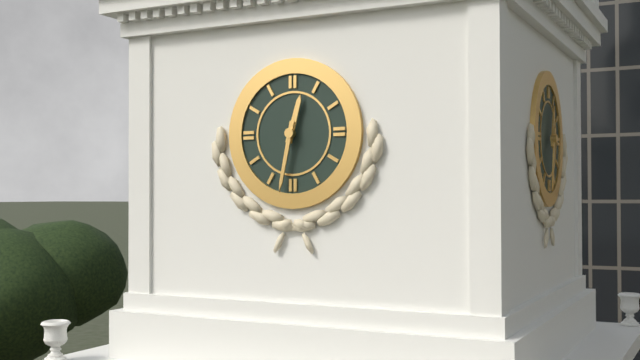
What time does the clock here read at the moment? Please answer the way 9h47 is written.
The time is 12h32
